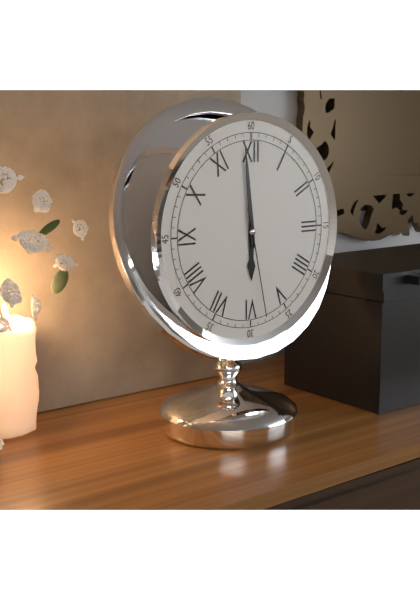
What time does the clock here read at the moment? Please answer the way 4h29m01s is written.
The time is 5h59m28s
